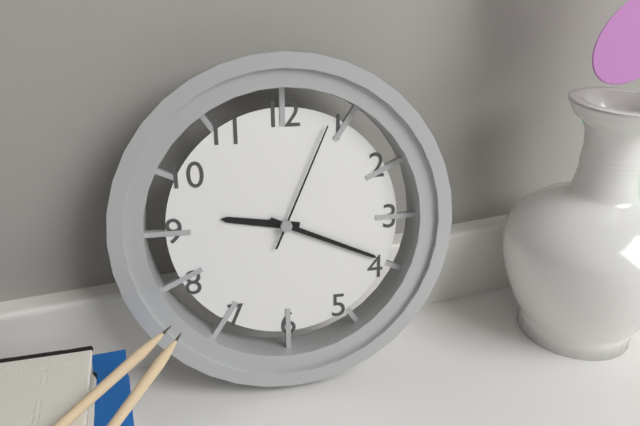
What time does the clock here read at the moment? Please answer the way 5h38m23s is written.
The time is 9h19m04s
